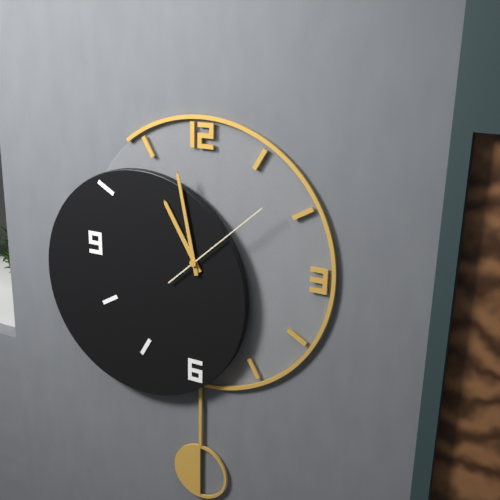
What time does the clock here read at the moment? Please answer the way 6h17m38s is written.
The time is 10h58m08s
